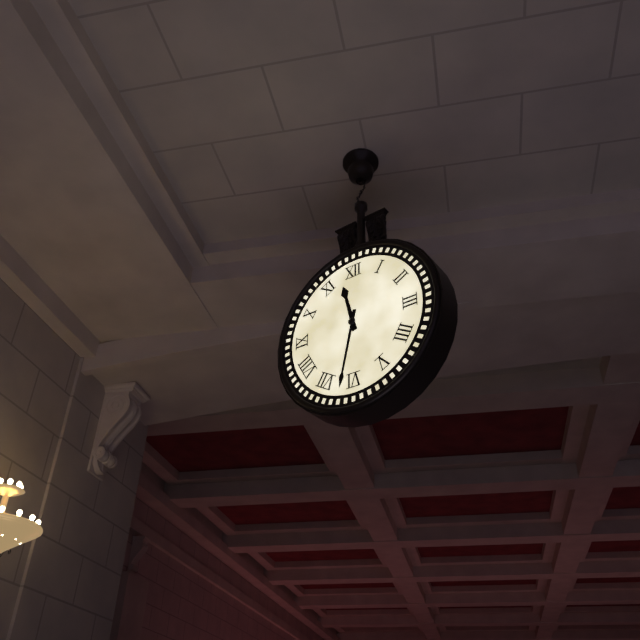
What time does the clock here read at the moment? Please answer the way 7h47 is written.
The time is 11h32
